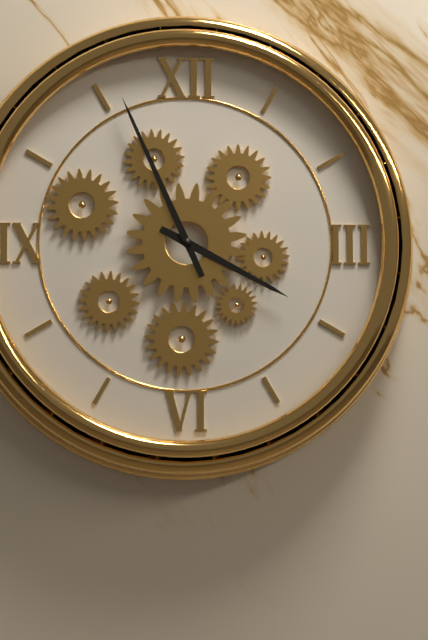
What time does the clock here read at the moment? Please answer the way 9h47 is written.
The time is 3h56
